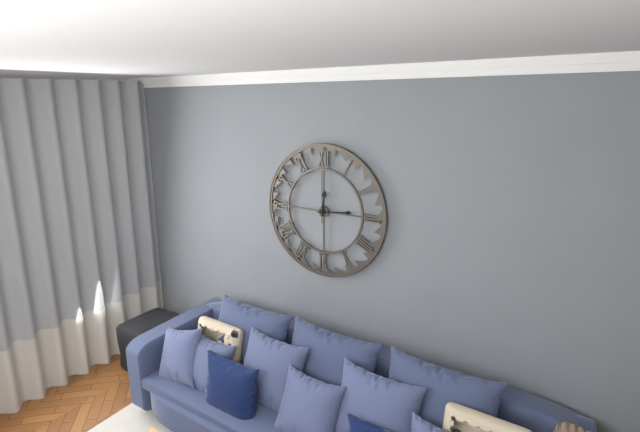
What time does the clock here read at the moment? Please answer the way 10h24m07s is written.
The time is 12h14m00s
